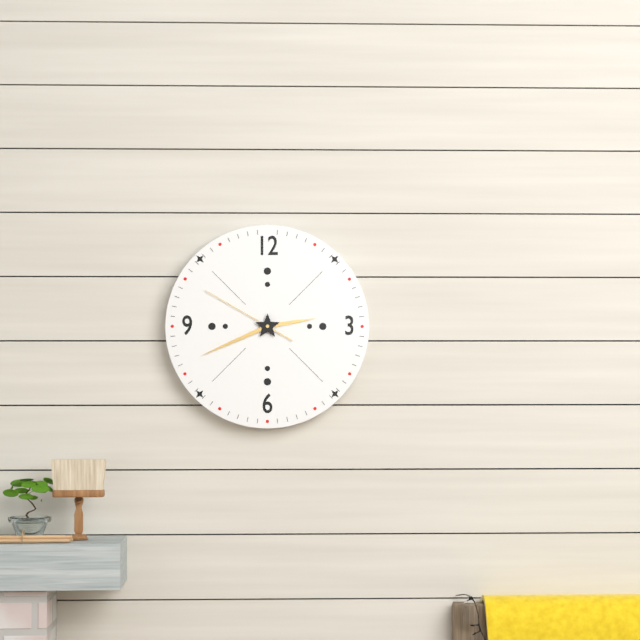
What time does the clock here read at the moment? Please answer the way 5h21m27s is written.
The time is 2h41m50s
